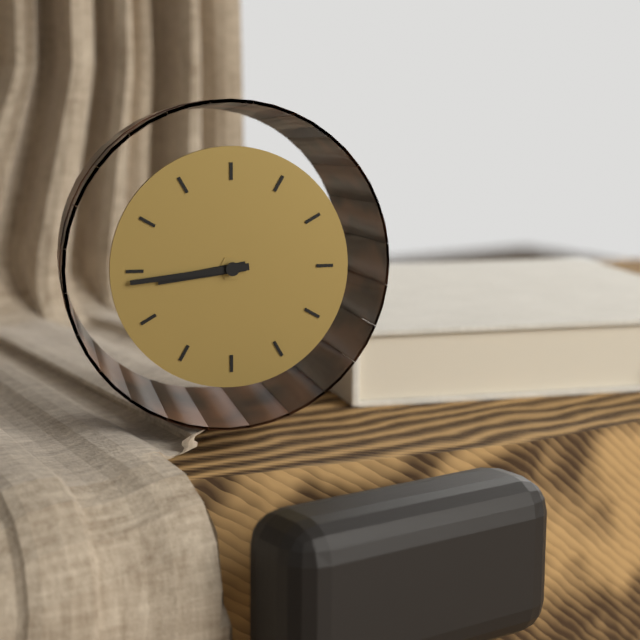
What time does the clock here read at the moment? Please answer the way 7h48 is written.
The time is 8h44
